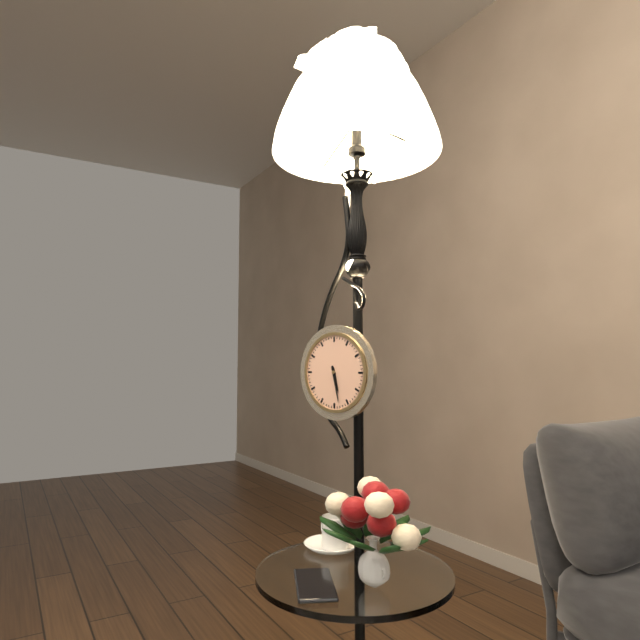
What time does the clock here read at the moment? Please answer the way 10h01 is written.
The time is 5h28
